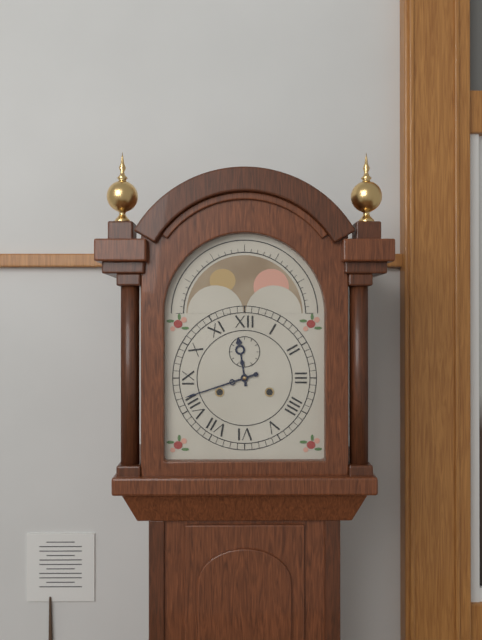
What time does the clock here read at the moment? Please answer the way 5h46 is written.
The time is 11h42
